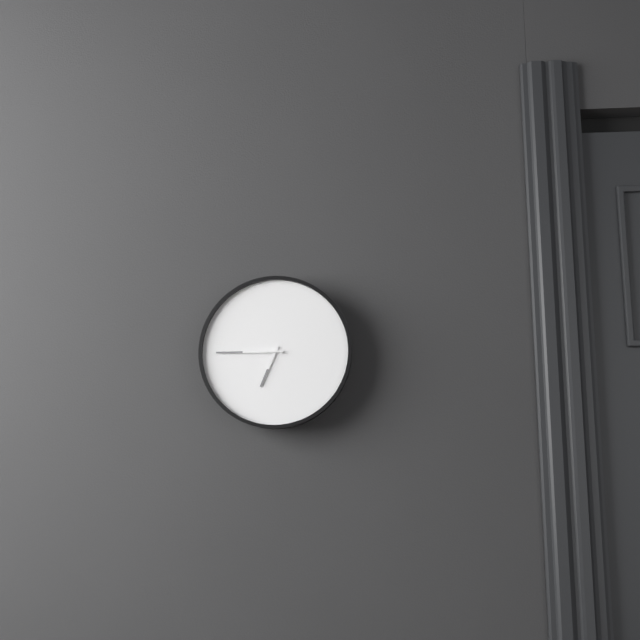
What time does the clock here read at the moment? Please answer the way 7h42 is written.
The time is 6h45
